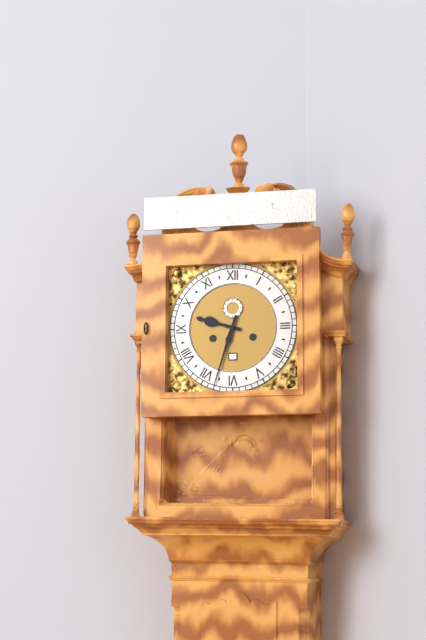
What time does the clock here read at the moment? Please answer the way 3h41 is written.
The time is 9h33
